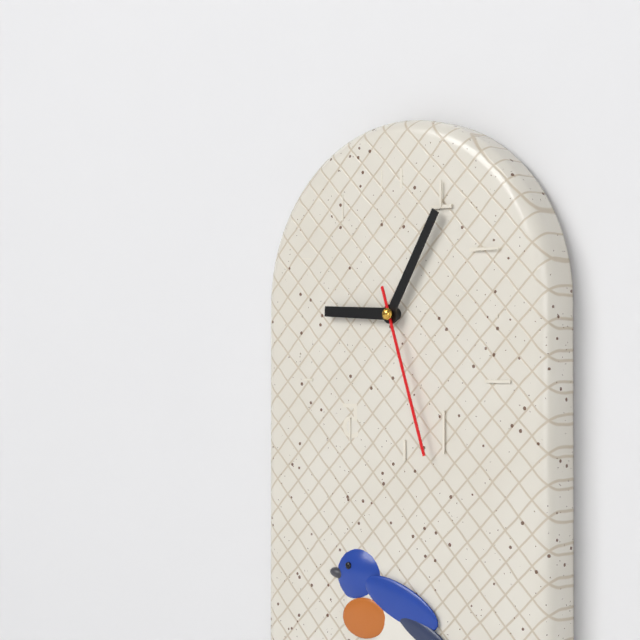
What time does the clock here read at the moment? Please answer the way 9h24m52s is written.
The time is 9h05m27s
